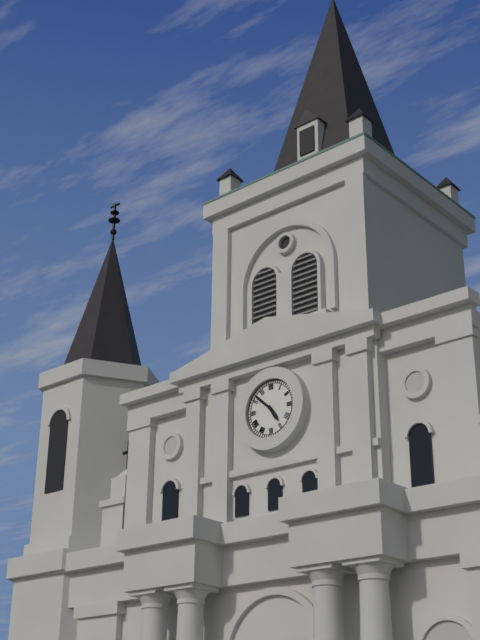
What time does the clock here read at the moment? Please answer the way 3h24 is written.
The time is 4h52
